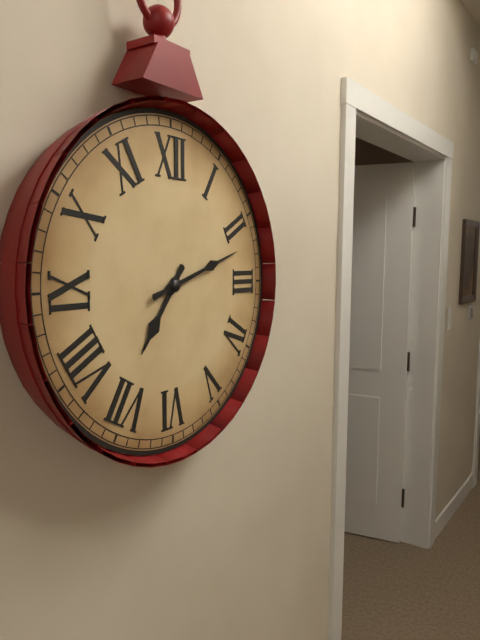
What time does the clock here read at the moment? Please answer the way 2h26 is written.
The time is 7h12
